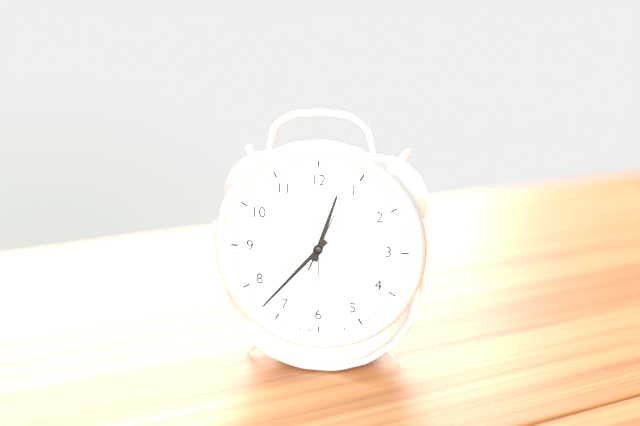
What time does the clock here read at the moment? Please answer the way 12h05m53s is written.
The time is 12h37m04s
